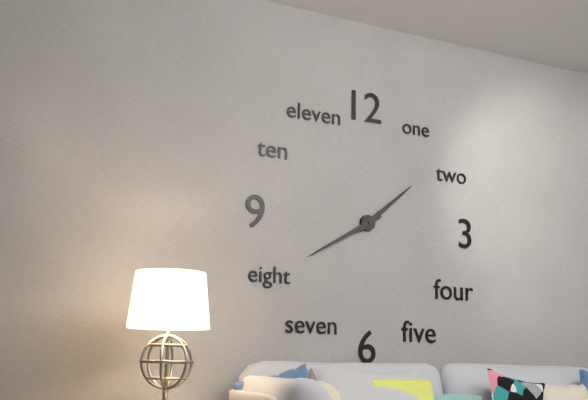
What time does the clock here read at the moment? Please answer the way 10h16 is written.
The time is 1h40
